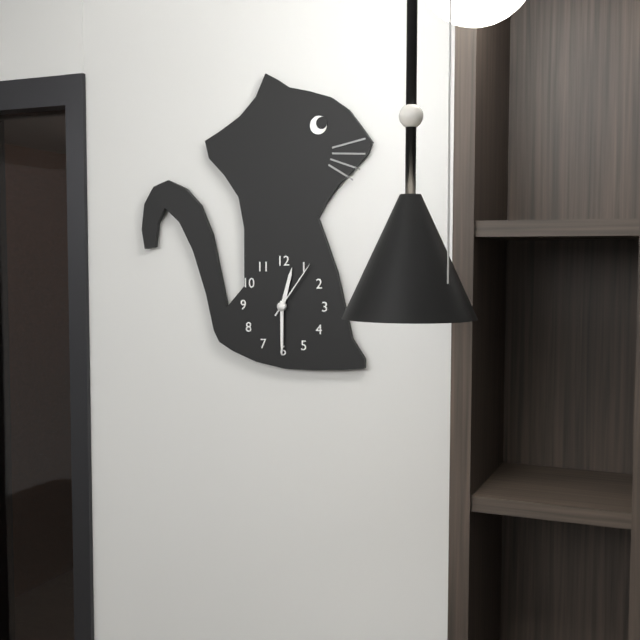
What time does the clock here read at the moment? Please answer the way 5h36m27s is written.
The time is 12h30m06s
